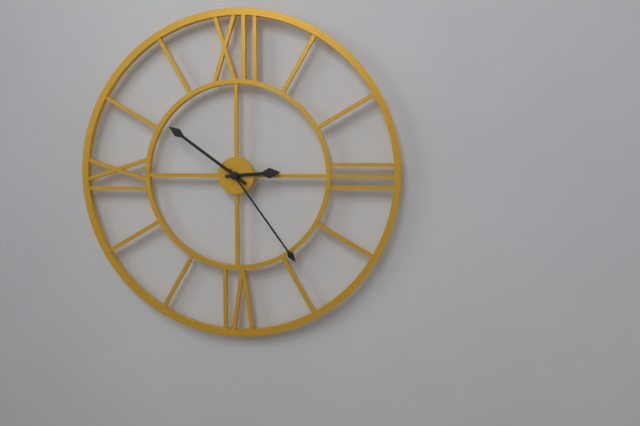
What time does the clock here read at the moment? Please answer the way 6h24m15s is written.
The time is 2h51m24s
